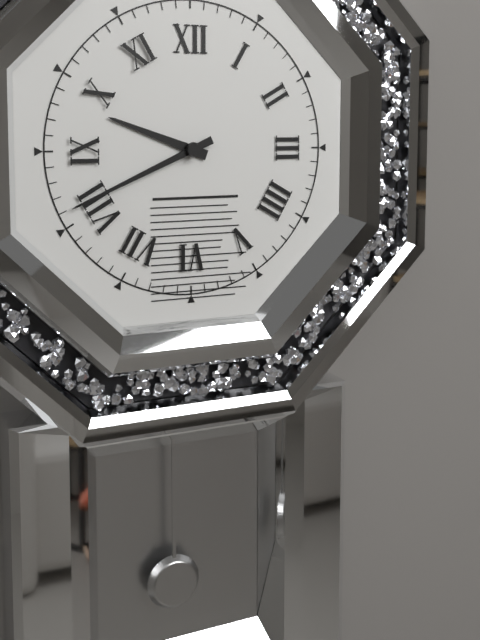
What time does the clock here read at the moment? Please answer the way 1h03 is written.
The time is 9h41
